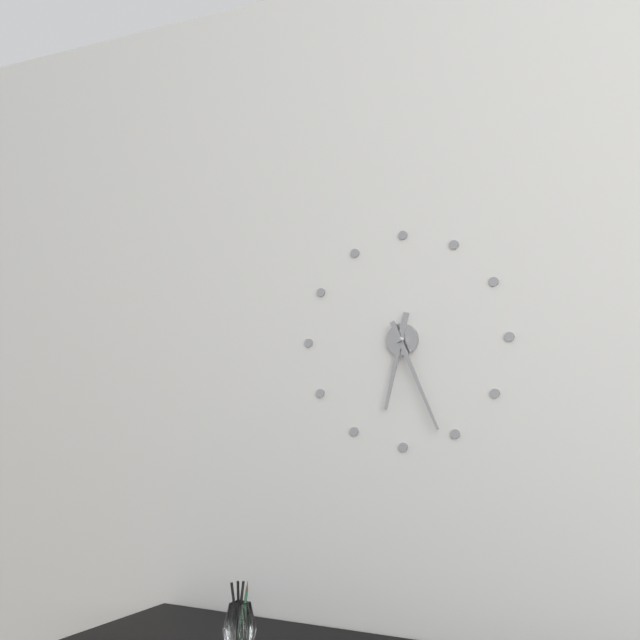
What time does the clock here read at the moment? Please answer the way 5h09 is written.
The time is 6h26
